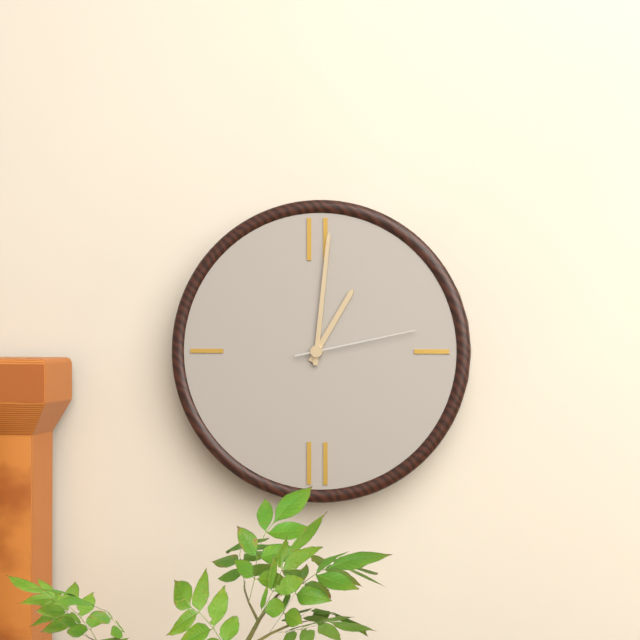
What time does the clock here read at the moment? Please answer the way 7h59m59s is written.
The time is 1h01m13s
